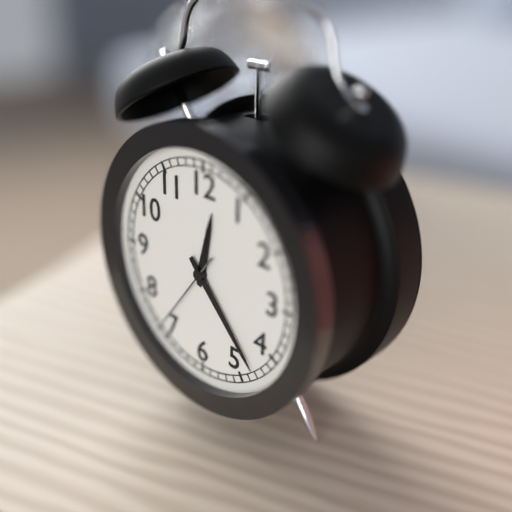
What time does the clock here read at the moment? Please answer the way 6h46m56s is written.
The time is 12h23m36s
